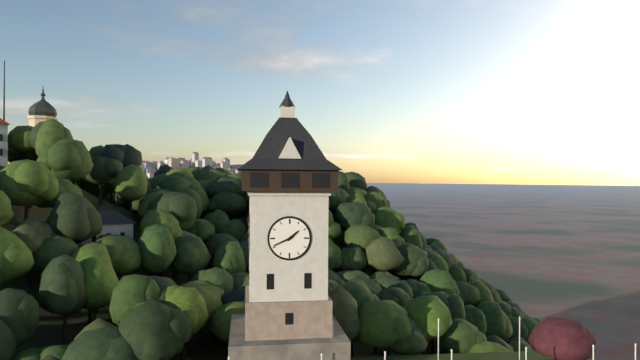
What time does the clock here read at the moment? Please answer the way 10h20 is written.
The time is 1h41
